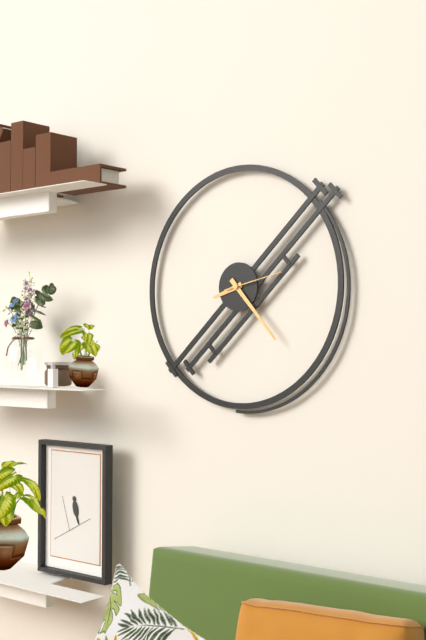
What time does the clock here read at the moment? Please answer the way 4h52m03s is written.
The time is 8h23m13s
